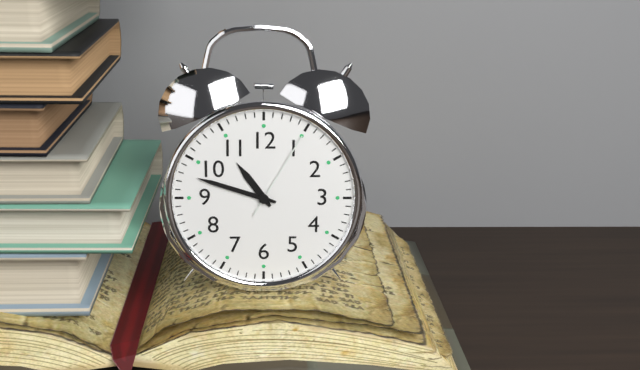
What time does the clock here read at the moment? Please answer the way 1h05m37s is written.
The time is 10h48m05s
